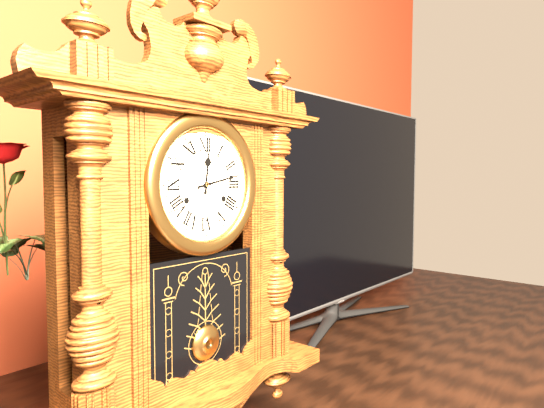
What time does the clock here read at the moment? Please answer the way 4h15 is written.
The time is 12h13
